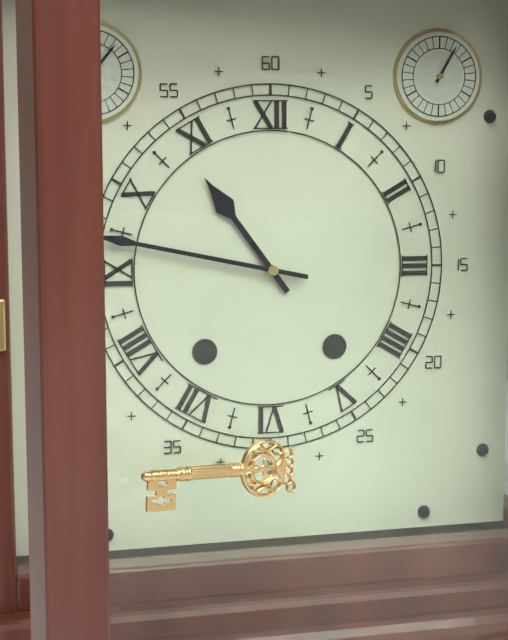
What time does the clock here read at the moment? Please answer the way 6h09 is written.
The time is 10h47
